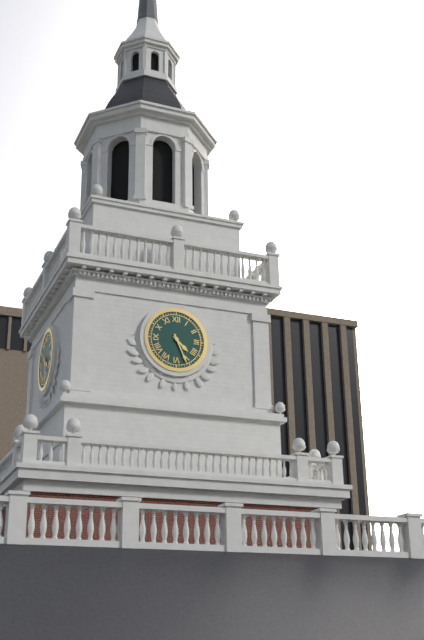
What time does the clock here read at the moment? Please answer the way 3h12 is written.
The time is 4h26
